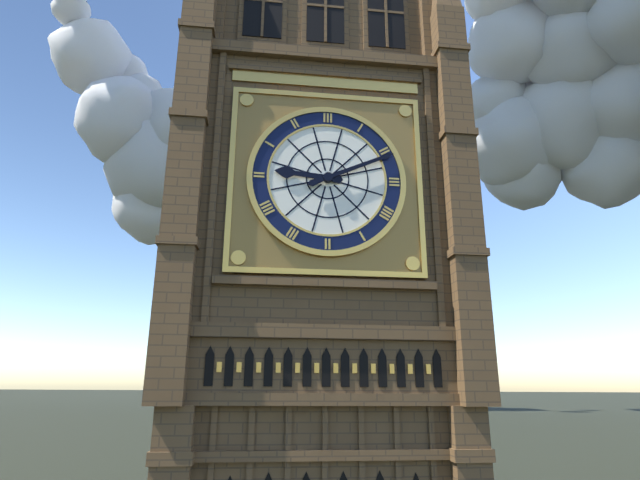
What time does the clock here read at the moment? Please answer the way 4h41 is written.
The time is 9h11
